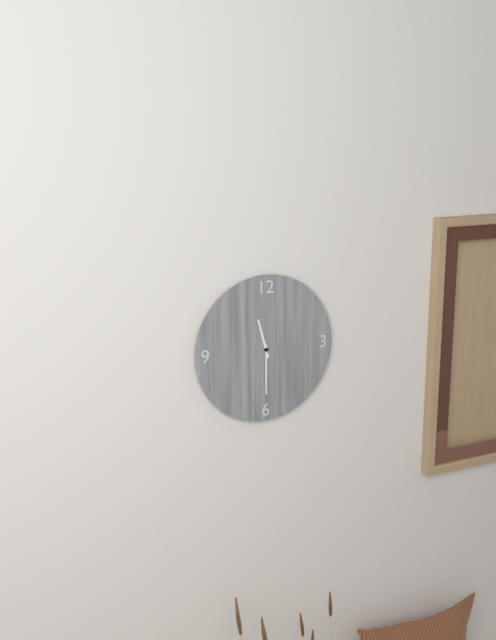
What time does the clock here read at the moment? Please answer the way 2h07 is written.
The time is 11h30
